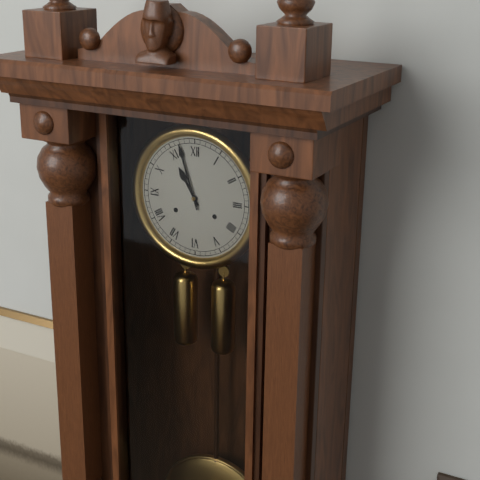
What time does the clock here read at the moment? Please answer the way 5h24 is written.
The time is 10h57
